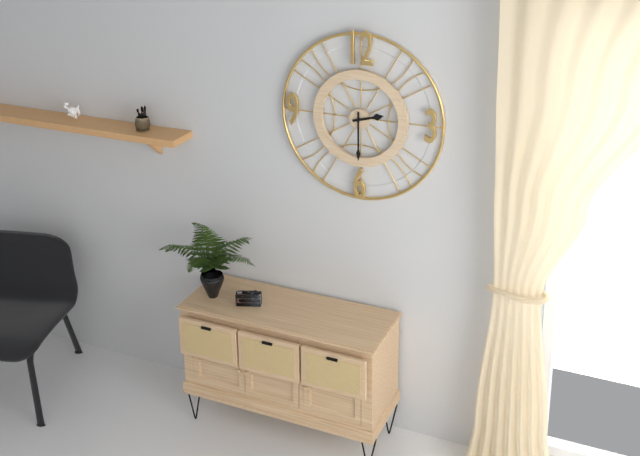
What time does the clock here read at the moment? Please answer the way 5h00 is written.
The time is 2h30
